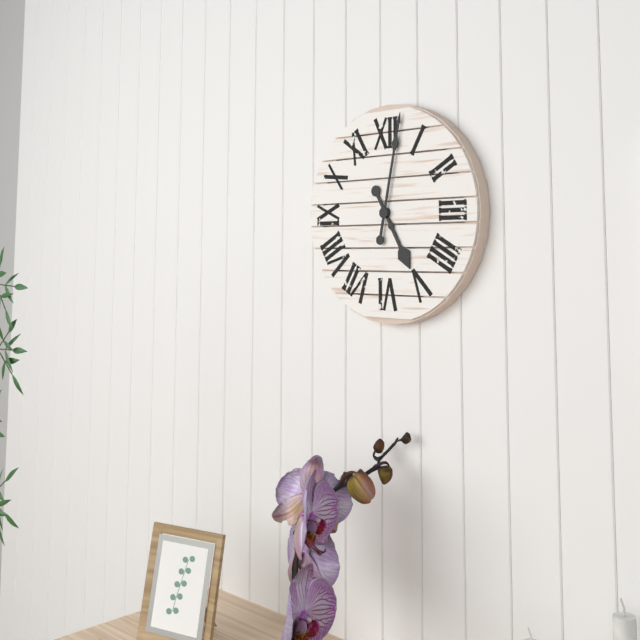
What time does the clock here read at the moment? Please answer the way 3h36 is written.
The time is 5h02
